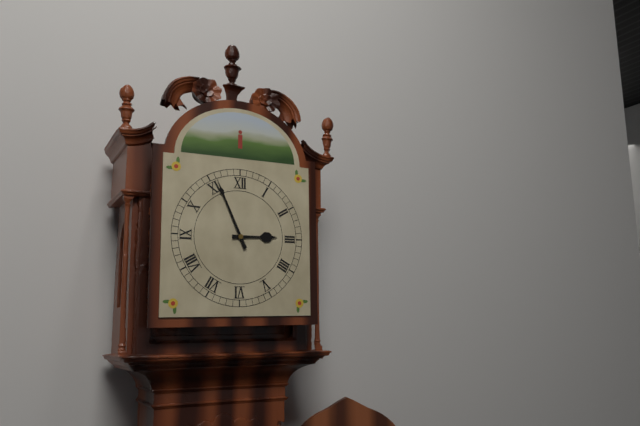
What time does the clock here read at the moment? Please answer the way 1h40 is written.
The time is 2h56
